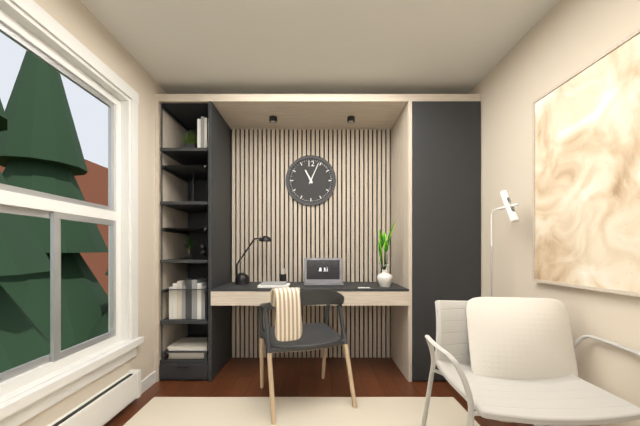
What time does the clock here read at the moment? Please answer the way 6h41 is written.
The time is 11h04
